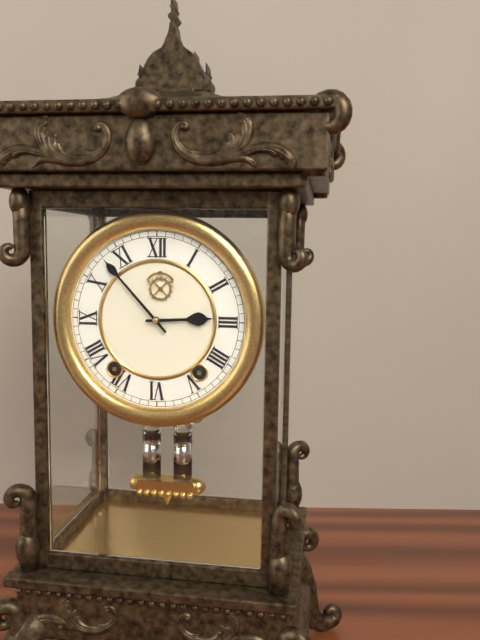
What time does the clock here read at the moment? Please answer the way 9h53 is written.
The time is 2h53
